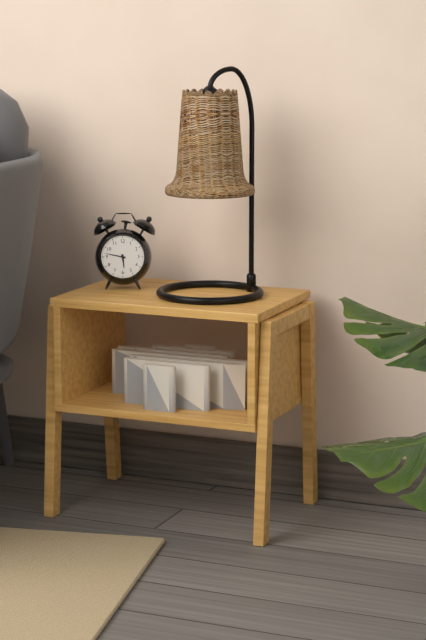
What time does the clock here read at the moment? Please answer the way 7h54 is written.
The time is 5h47
